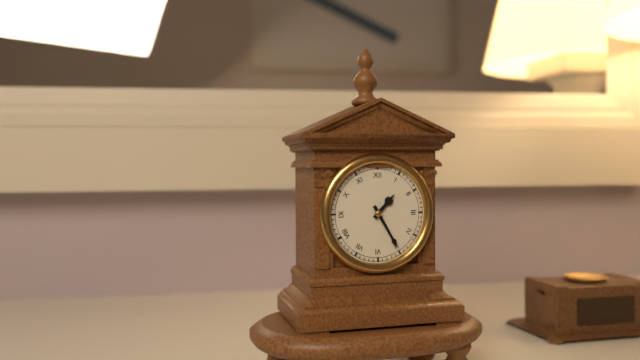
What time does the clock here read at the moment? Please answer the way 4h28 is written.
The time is 1h25
